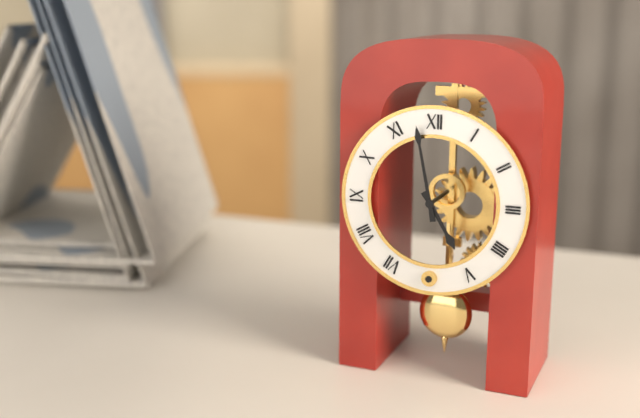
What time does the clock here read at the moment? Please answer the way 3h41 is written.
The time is 4h58
